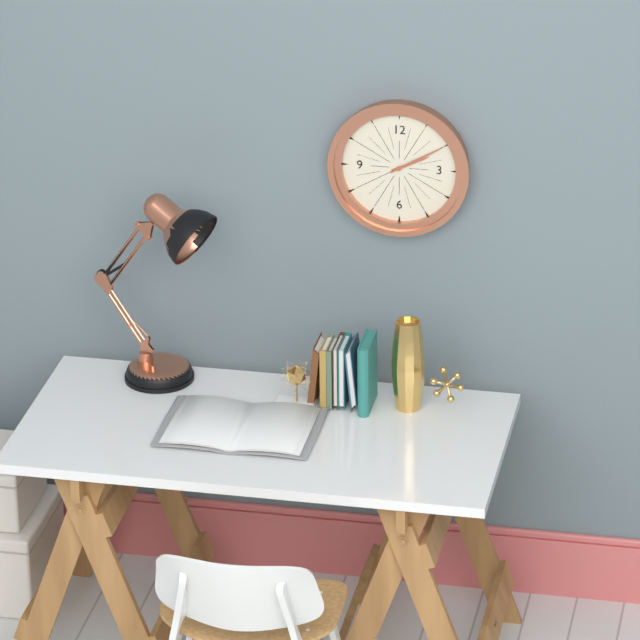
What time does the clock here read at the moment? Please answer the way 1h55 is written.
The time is 2h10
